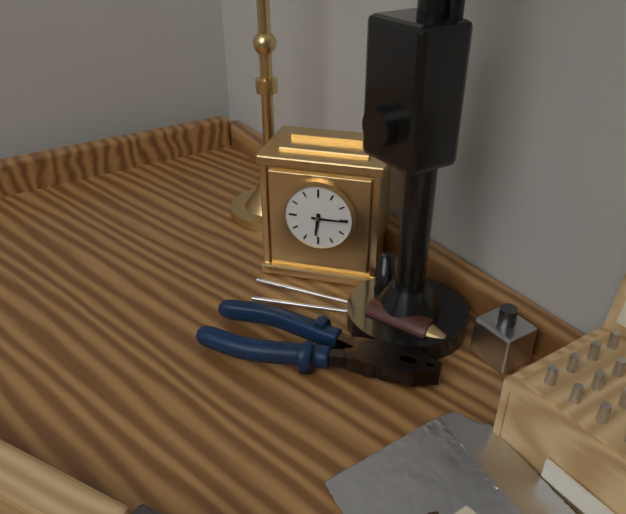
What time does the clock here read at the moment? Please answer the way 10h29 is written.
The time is 6h15
